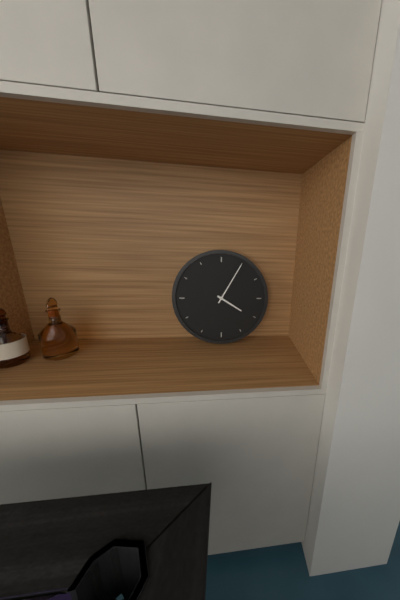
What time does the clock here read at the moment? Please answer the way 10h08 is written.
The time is 4h05
